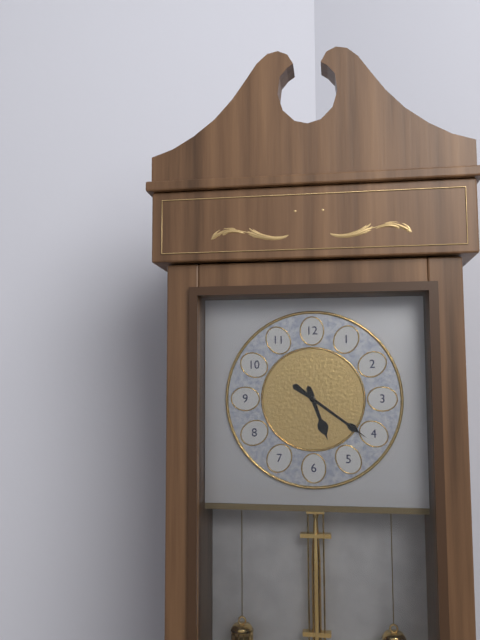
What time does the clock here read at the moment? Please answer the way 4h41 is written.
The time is 5h21
